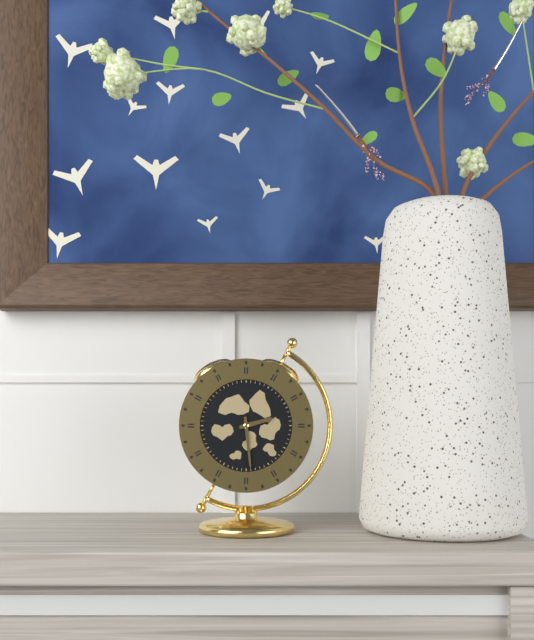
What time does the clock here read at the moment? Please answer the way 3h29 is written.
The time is 2h29
